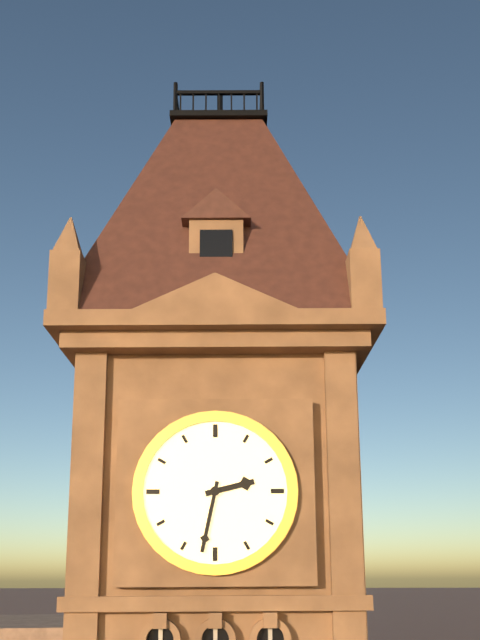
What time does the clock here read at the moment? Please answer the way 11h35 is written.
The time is 2h32
